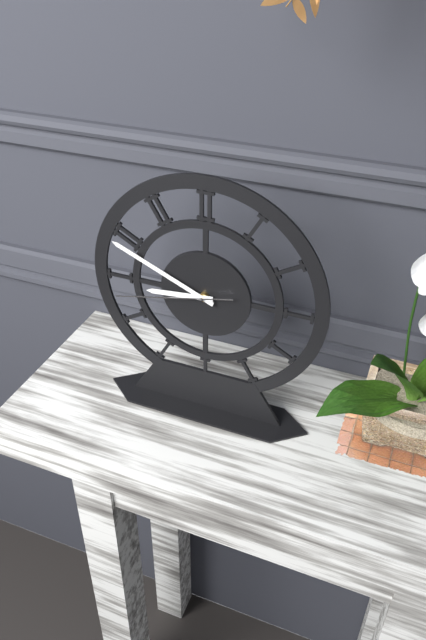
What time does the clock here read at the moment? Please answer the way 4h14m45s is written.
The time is 8h49m43s
